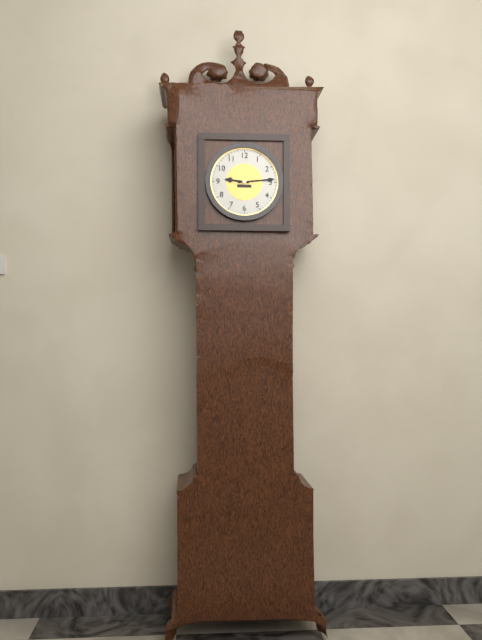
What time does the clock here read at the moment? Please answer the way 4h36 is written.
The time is 9h14
